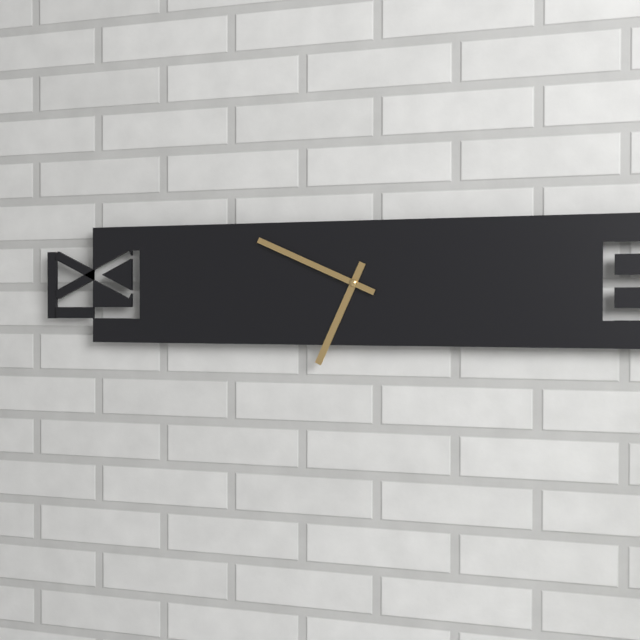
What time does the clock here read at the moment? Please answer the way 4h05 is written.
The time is 6h49
